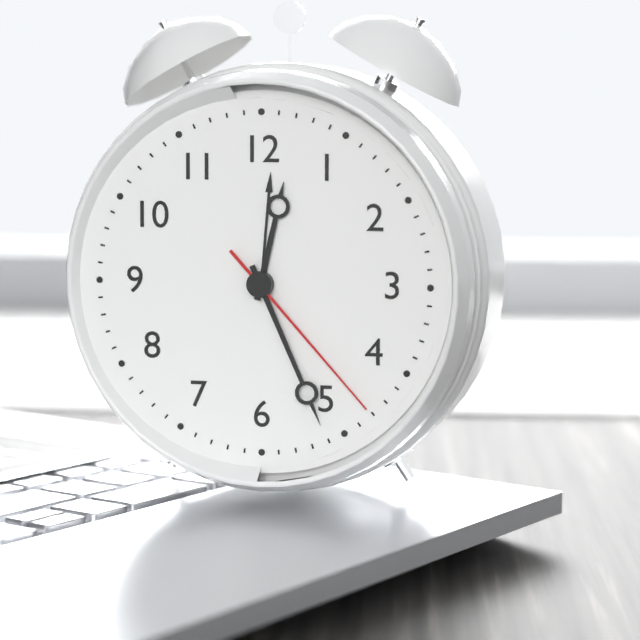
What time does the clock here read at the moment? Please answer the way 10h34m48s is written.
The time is 12h26m23s
